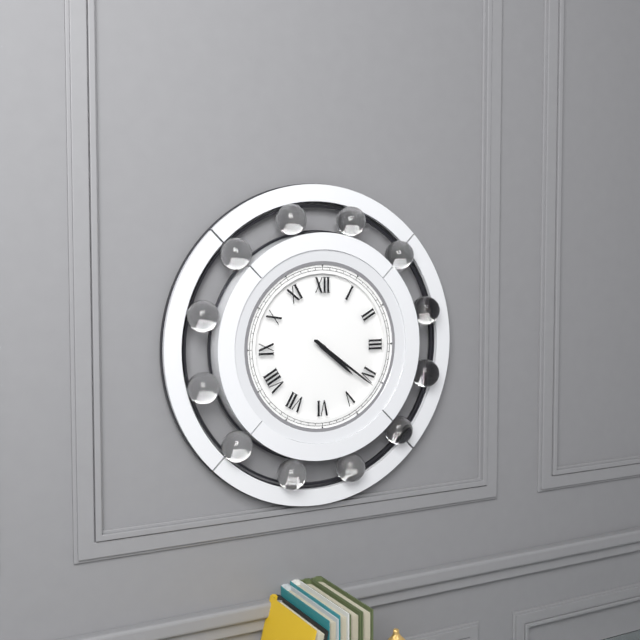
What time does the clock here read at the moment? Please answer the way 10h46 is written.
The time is 4h21
